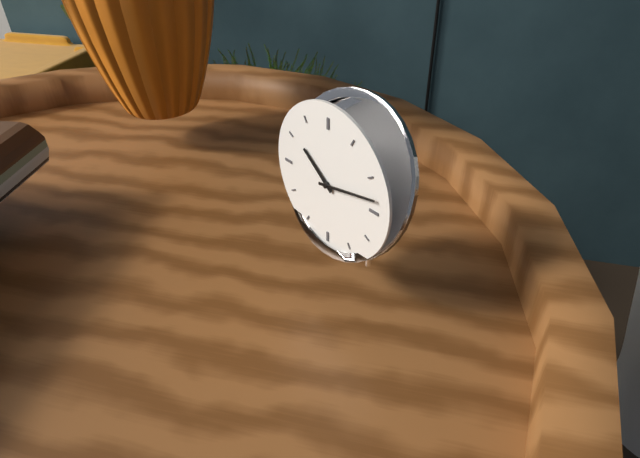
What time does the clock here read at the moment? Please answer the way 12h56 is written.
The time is 10h13
